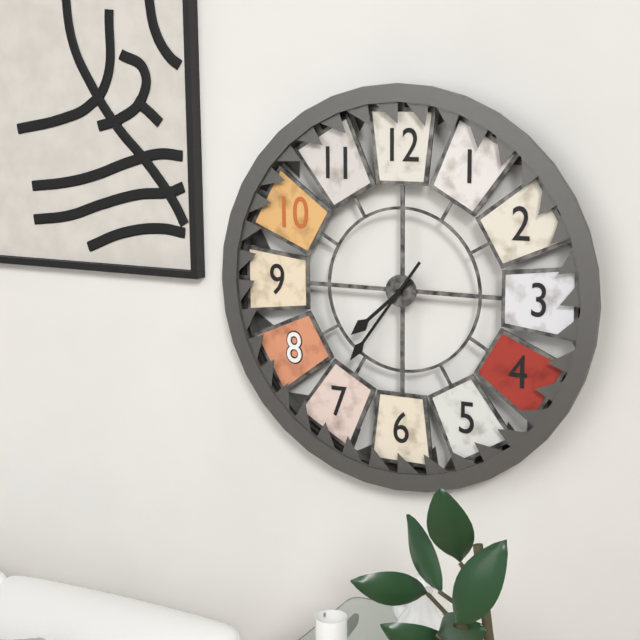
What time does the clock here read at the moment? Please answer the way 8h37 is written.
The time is 7h36
